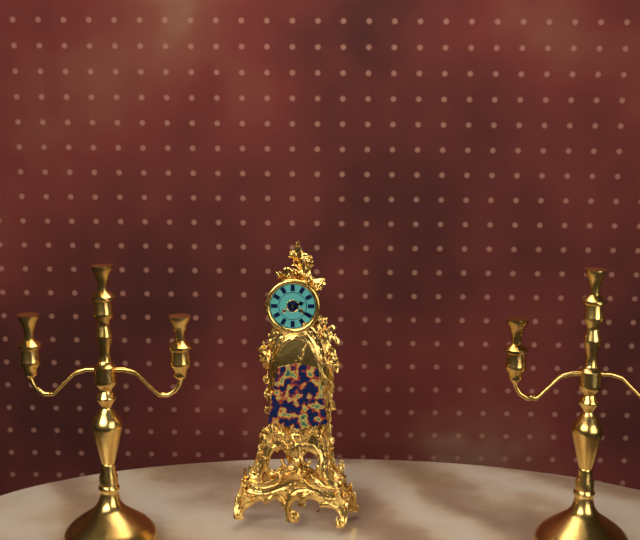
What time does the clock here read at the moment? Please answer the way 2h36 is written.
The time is 2h20
